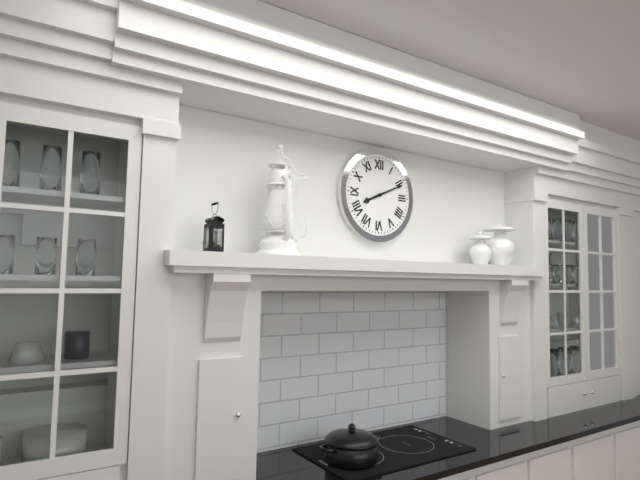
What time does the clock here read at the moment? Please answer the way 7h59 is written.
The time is 8h11
